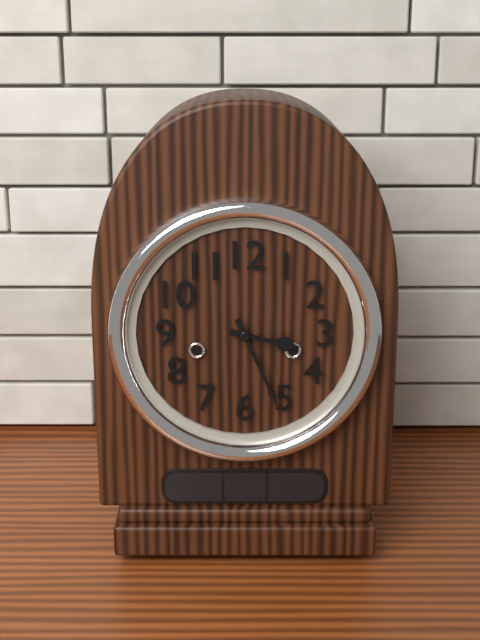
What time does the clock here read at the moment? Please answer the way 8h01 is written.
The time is 3h26
